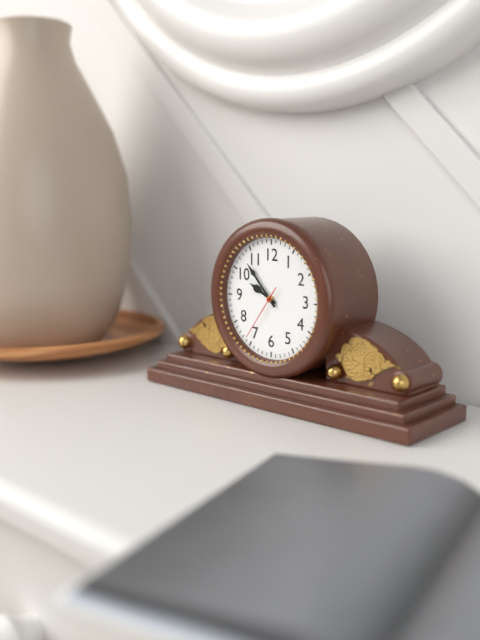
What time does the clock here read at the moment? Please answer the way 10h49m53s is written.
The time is 9h53m36s
